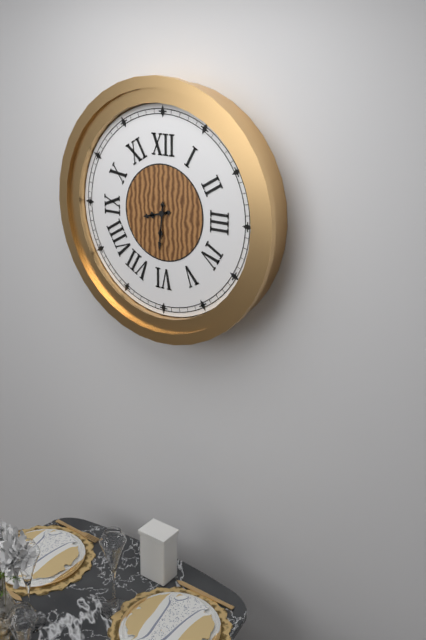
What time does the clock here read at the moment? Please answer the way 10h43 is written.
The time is 8h31
